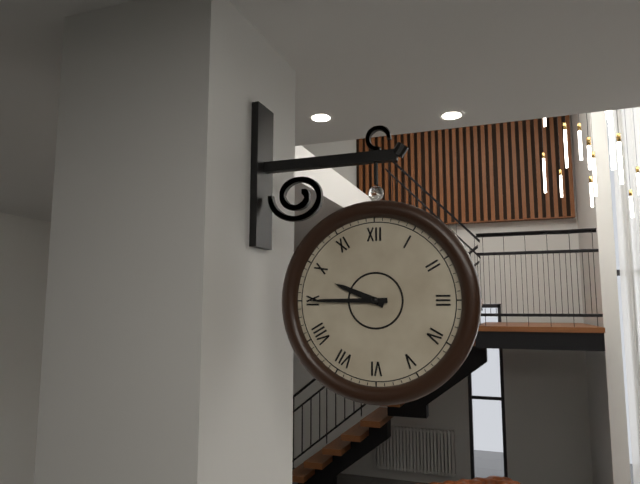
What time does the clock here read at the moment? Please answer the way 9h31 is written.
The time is 9h45
